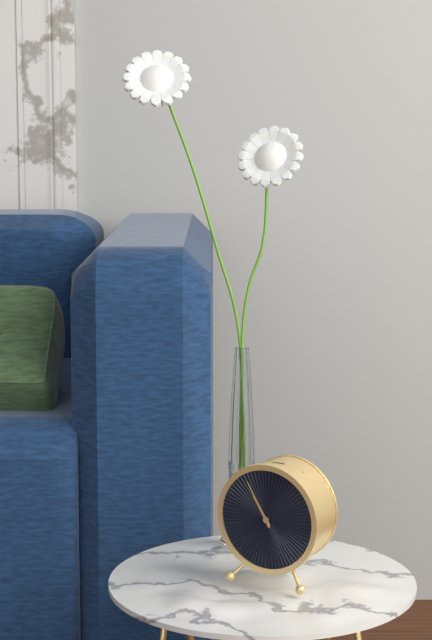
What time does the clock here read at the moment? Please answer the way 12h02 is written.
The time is 10h55
